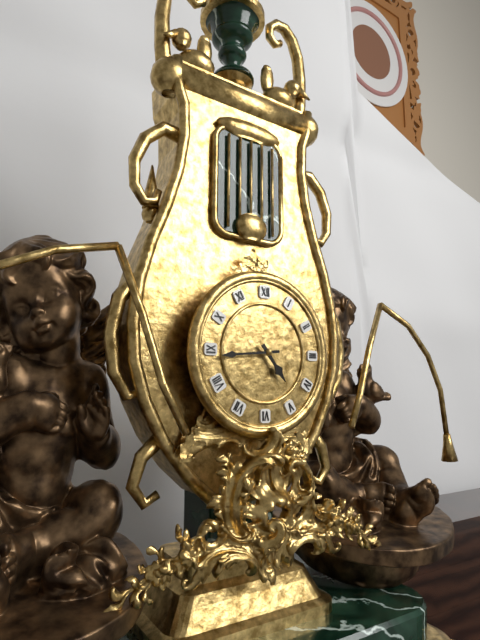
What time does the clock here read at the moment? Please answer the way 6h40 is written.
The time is 4h44
